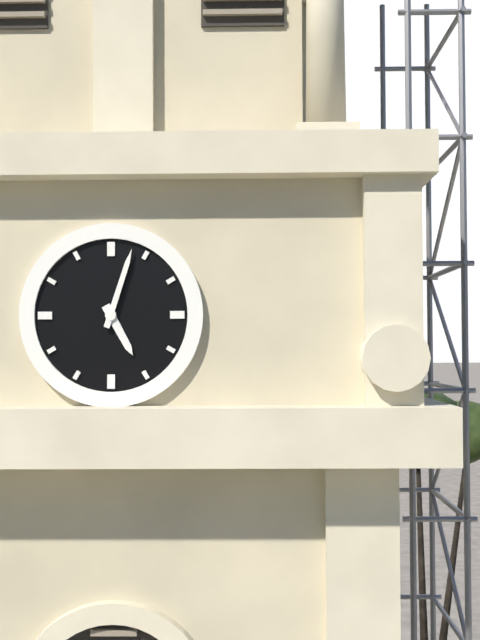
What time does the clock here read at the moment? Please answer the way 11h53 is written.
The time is 5h03
